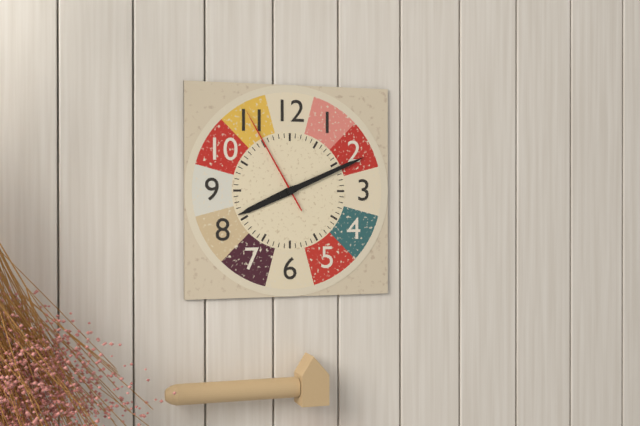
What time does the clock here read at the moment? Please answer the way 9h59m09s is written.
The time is 8h11m55s
